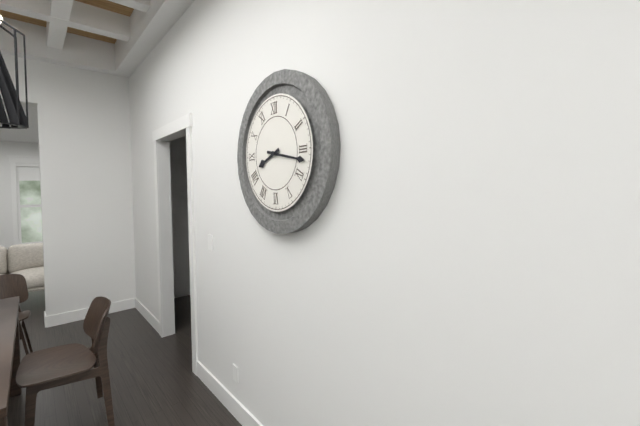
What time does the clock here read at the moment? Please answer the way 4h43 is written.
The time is 8h17
